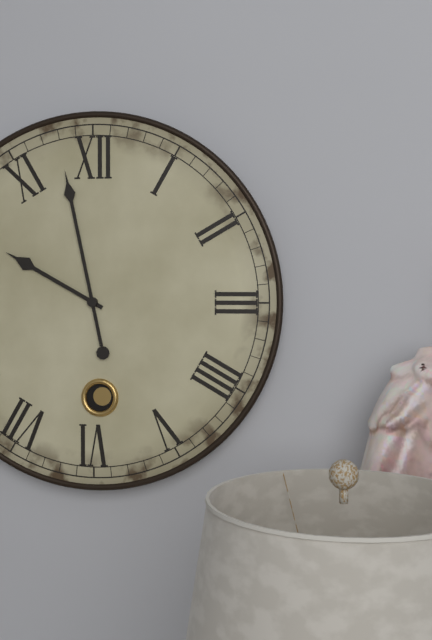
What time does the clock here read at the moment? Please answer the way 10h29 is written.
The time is 9h58
